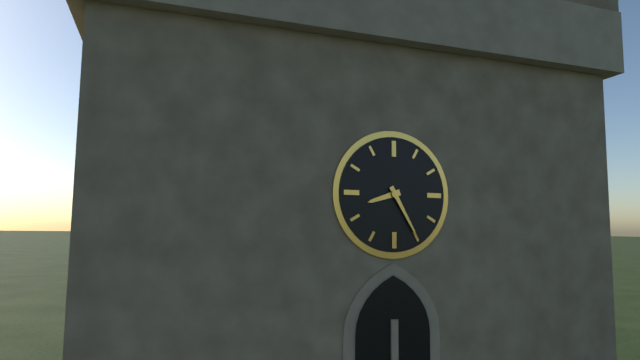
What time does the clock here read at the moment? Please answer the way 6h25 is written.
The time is 8h25
